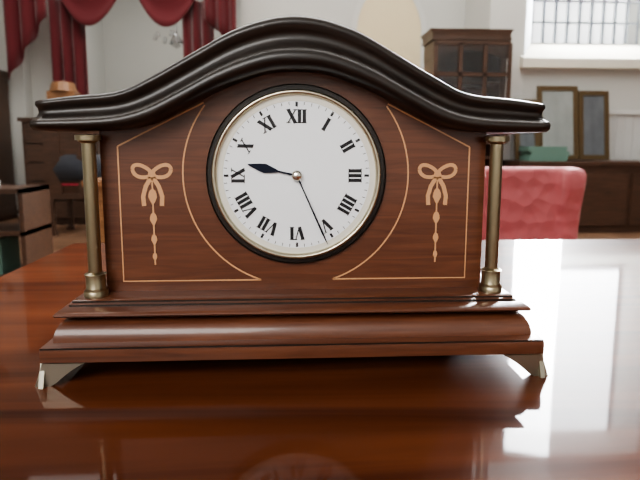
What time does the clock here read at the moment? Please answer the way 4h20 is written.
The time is 9h26
